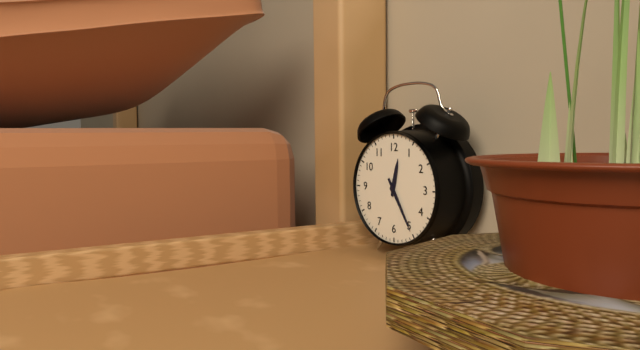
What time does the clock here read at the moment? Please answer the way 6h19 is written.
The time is 12h25
